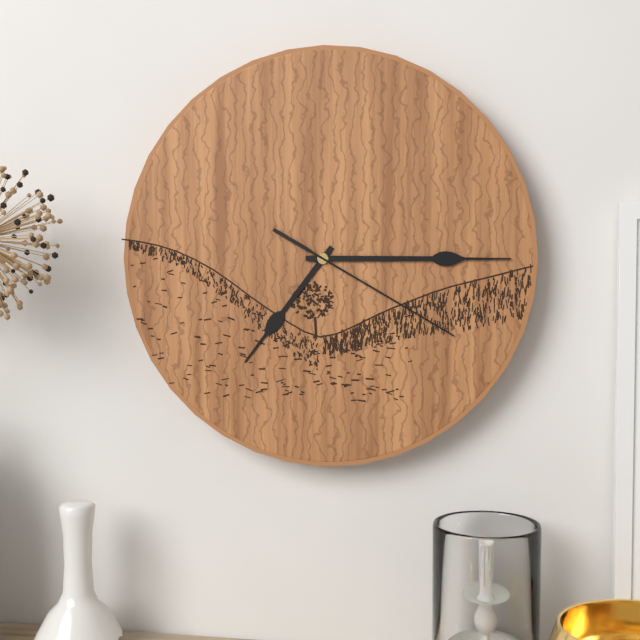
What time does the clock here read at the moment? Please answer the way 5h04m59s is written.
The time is 7h15m20s
